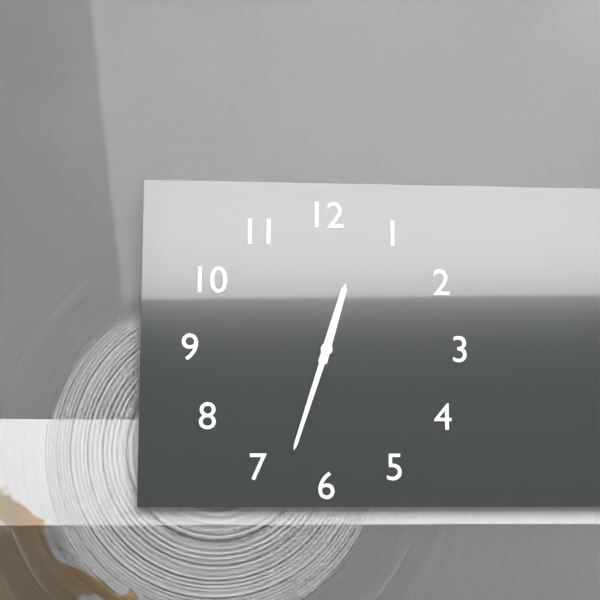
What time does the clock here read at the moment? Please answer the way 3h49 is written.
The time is 12h33
